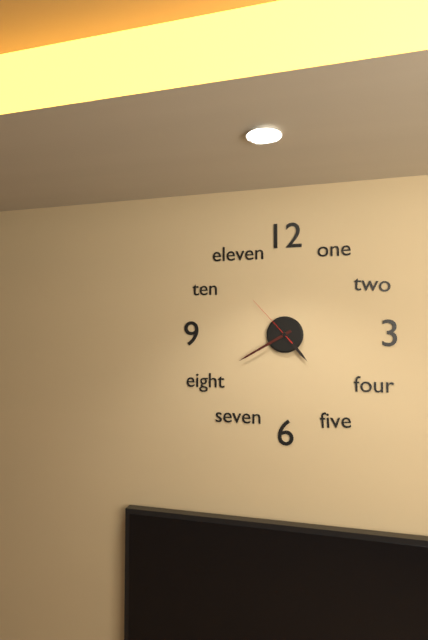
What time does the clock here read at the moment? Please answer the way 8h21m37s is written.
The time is 4h40m53s
